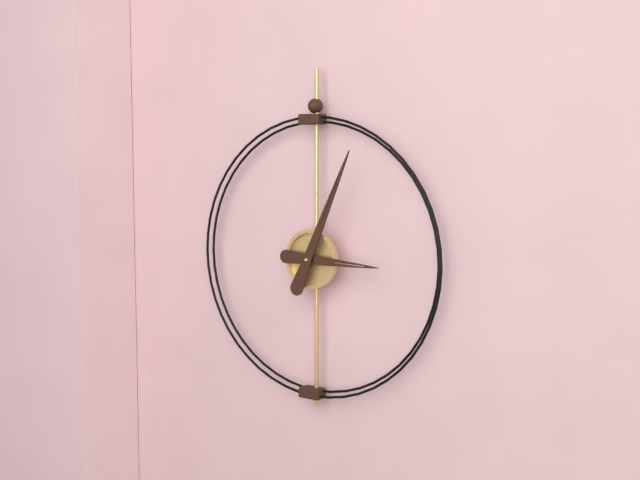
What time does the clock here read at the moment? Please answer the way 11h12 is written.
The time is 3h04
